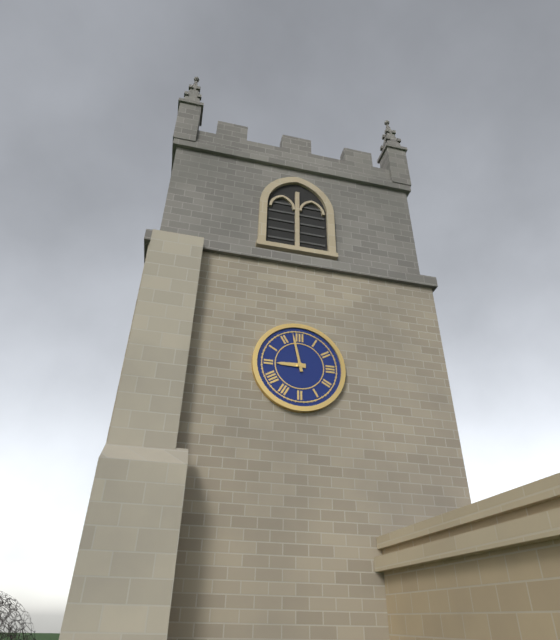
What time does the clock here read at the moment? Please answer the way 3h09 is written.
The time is 8h58
